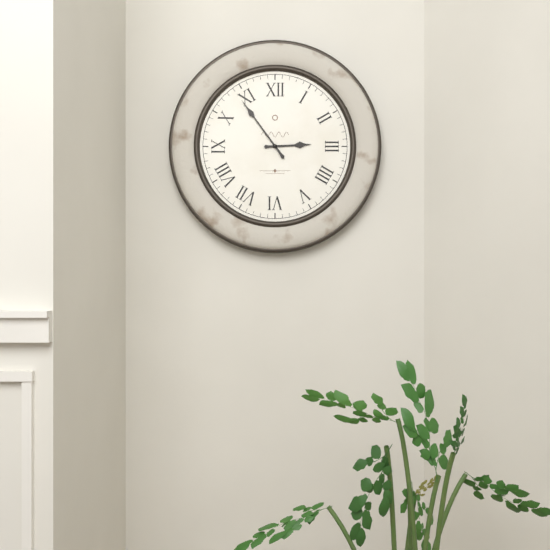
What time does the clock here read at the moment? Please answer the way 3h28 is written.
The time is 2h54
